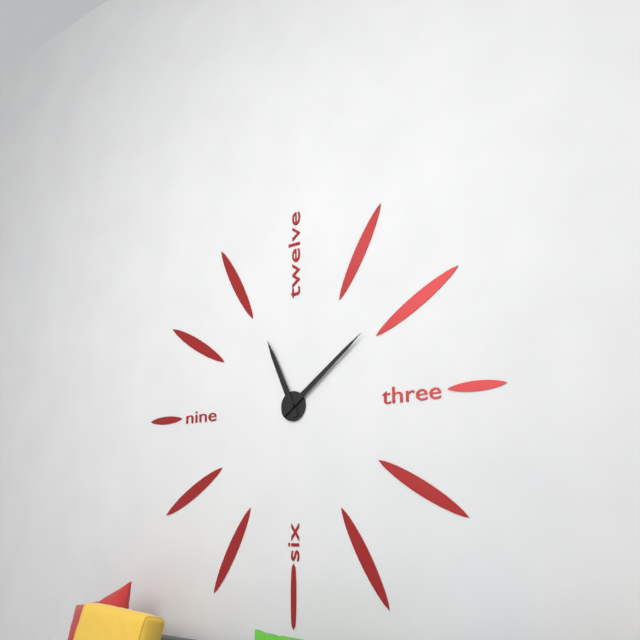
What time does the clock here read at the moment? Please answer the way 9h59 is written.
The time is 11h09
